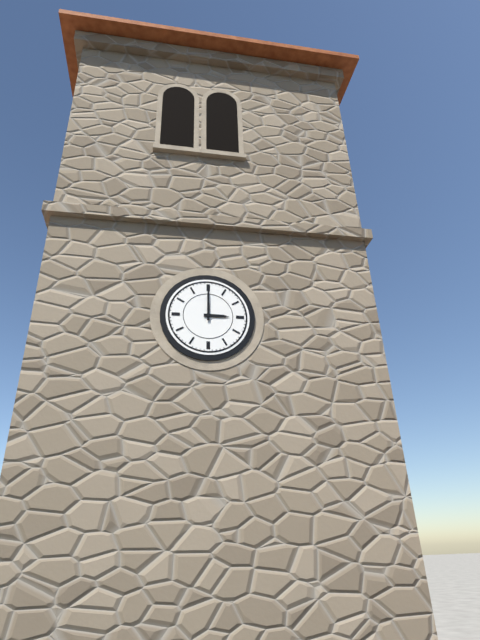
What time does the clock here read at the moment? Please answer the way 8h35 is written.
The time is 3h00
